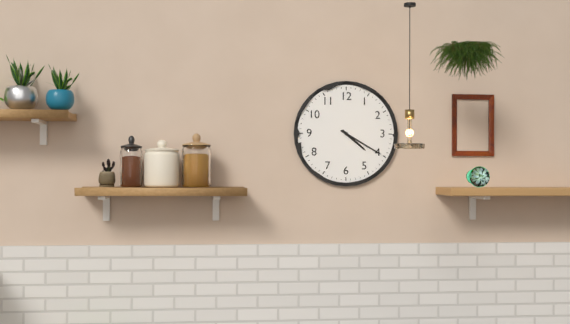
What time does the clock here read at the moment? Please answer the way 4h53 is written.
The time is 4h20
